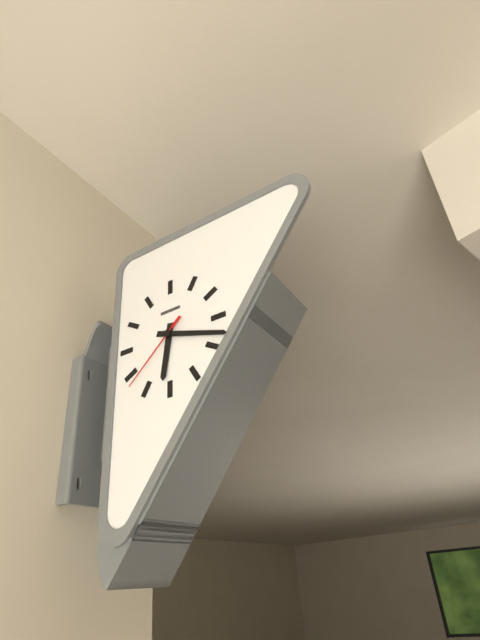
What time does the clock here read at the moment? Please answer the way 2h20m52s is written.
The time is 6h18m38s
